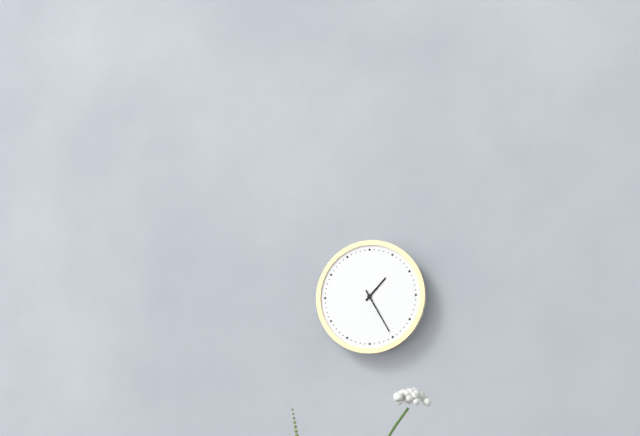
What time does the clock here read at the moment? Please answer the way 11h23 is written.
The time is 1h25
